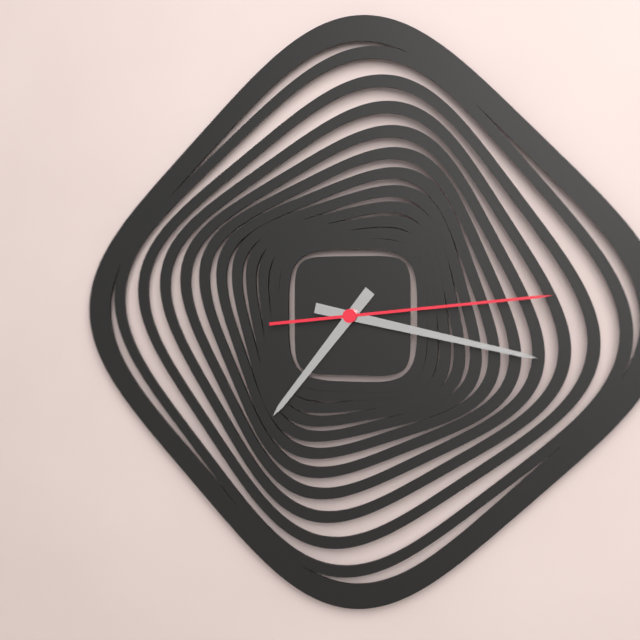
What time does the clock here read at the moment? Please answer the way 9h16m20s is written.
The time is 7h17m14s
